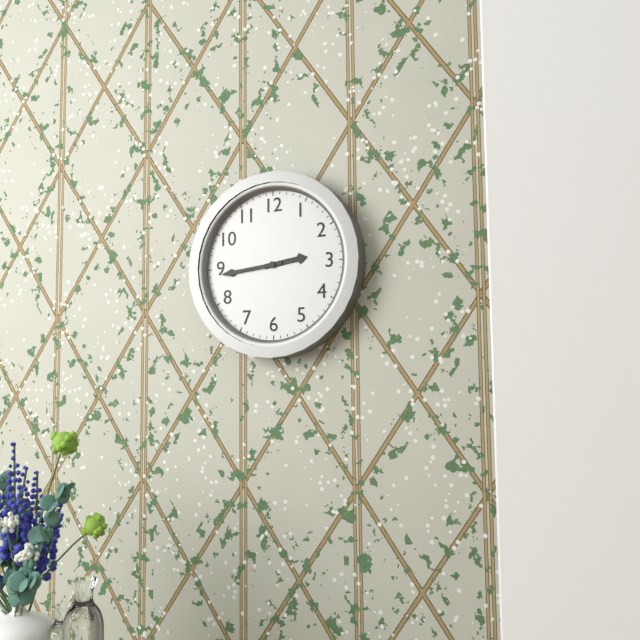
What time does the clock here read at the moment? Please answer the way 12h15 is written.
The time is 2h44
